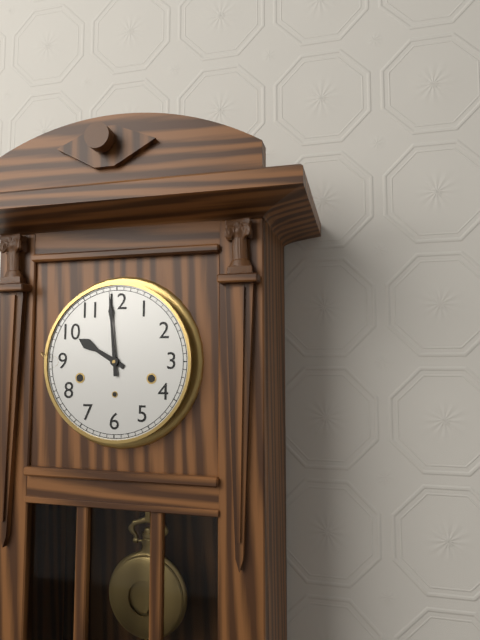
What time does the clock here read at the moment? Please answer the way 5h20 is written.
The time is 9h59
